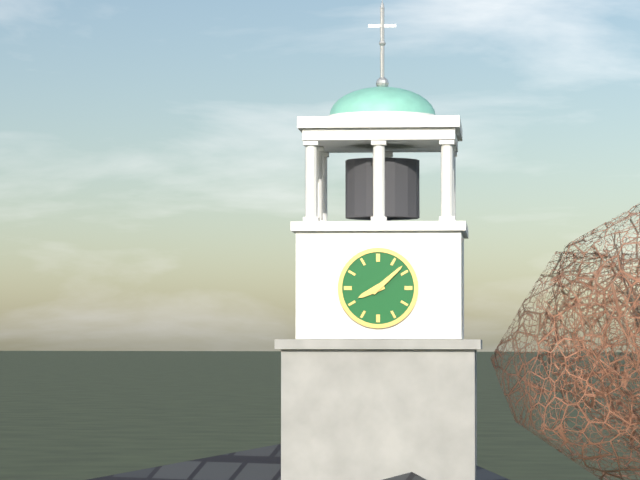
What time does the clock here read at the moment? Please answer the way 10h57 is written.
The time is 8h08
